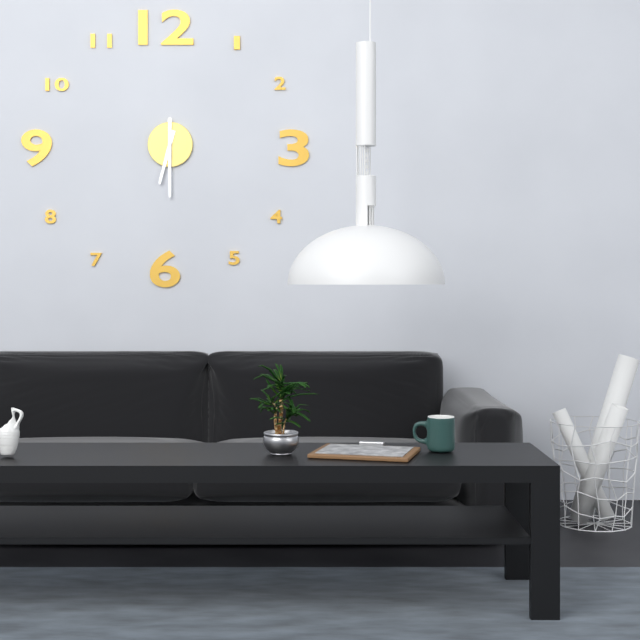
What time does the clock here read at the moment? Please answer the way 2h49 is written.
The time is 6h30
